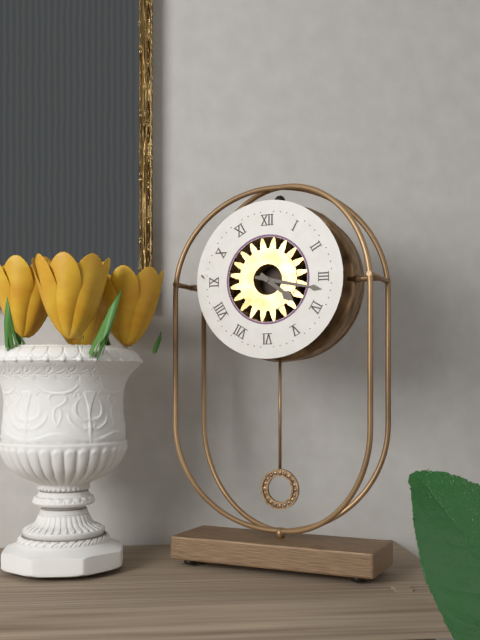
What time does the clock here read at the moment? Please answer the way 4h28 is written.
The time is 4h17
